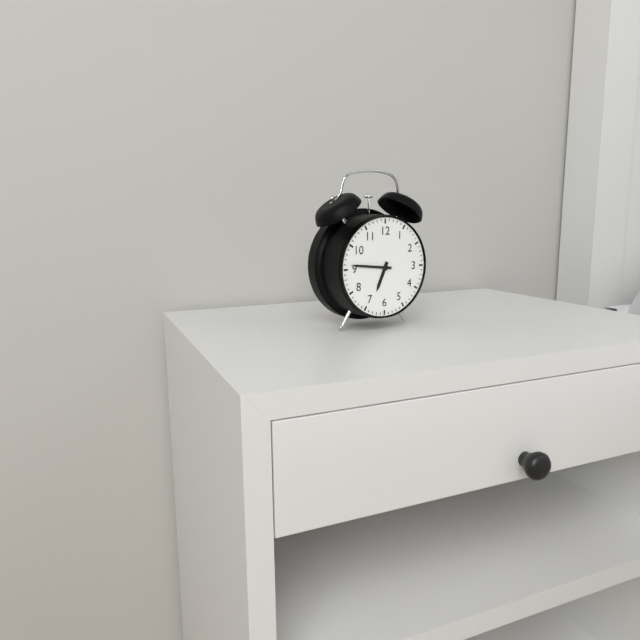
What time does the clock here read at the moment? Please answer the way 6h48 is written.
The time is 6h46
